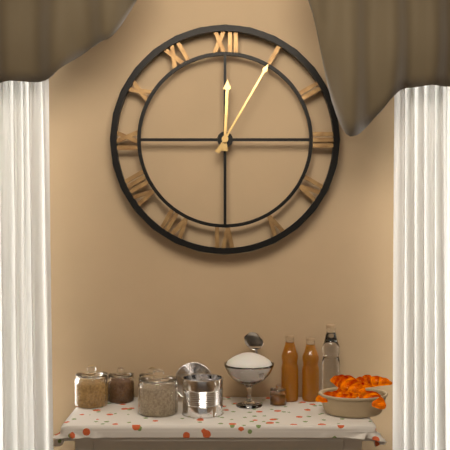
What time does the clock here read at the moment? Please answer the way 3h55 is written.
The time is 12h05
